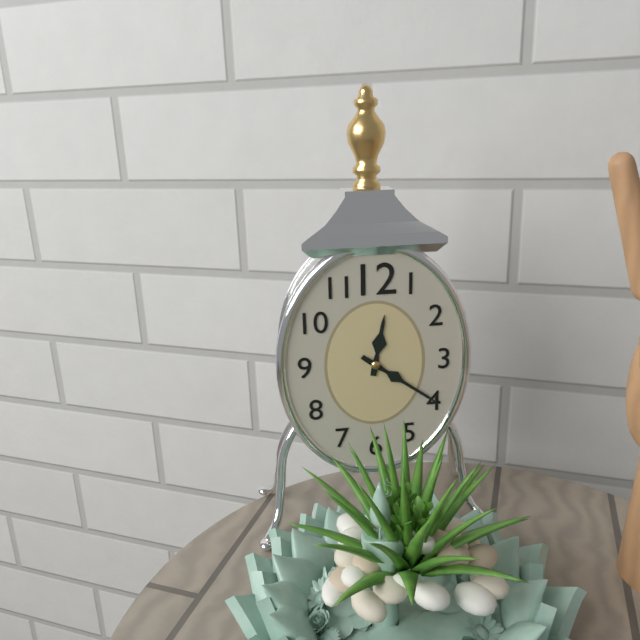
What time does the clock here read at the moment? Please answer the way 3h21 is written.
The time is 12h21
